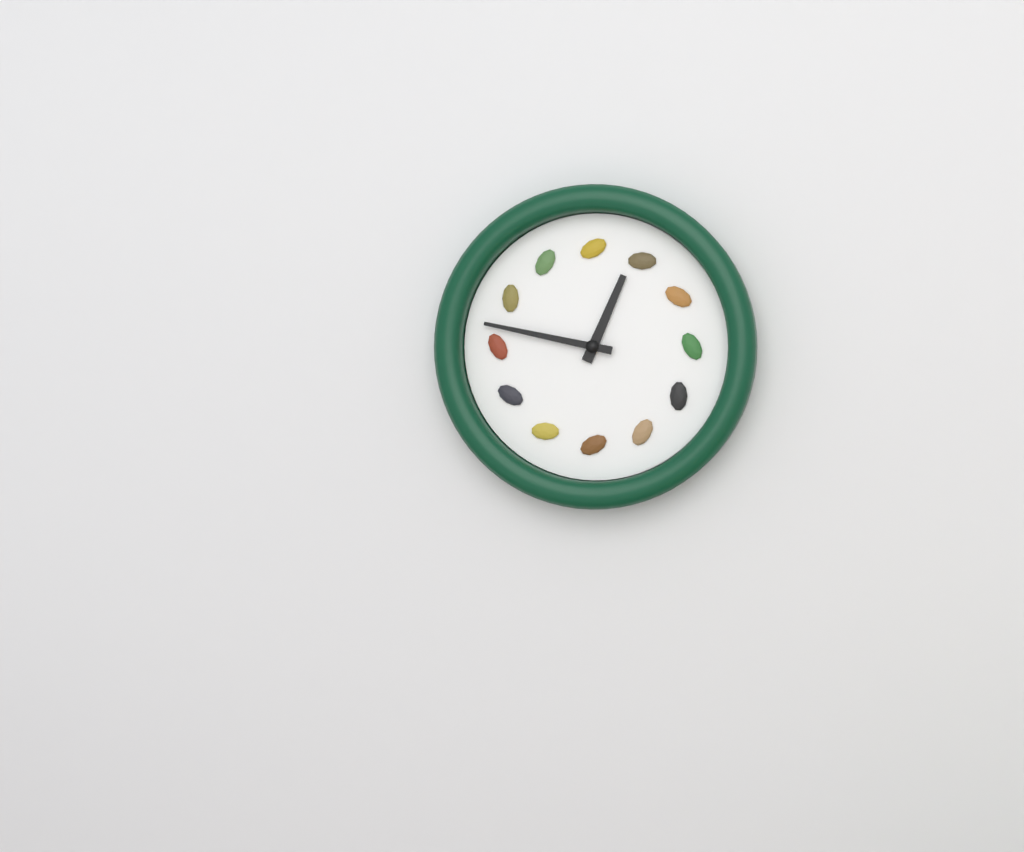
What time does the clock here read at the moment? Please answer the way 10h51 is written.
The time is 12h47
